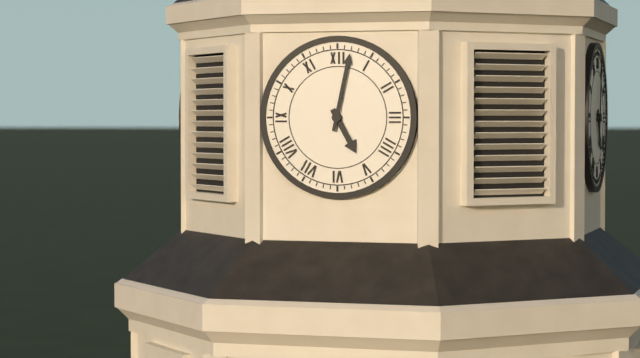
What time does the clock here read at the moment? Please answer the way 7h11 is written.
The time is 5h02
